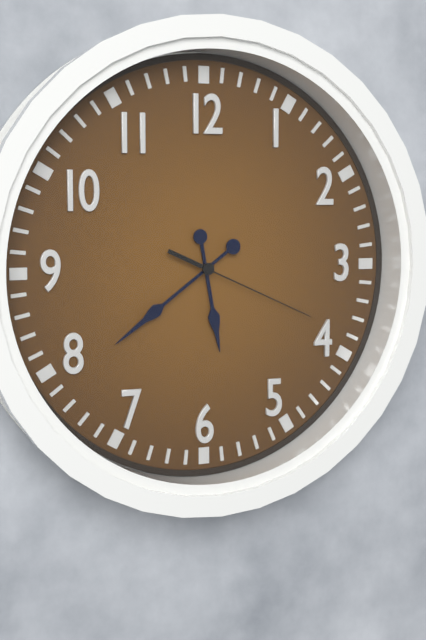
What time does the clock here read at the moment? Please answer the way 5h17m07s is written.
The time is 5h39m19s
